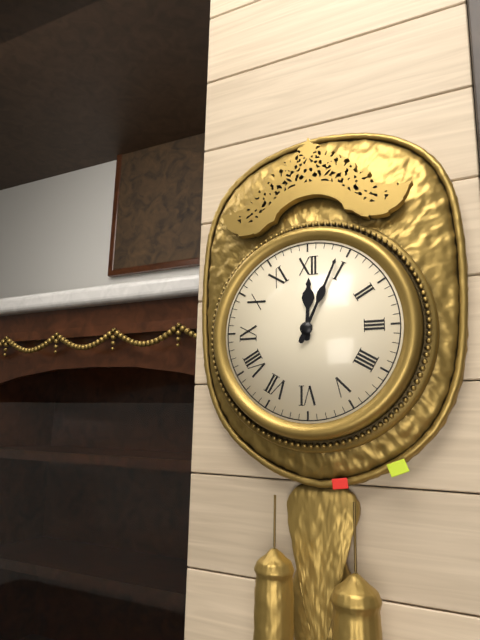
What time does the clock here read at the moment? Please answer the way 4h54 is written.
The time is 12h04
